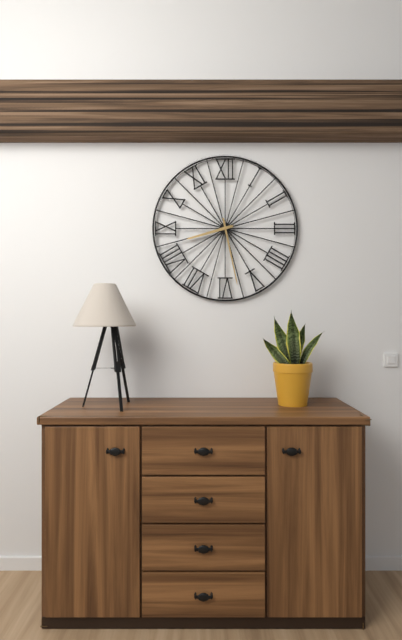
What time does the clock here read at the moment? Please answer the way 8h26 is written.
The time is 8h28
